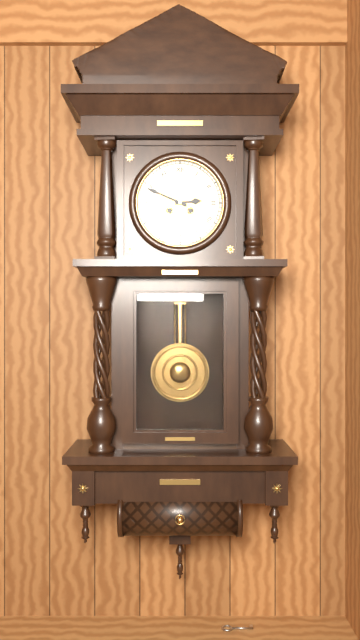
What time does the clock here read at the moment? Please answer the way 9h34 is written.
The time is 2h49
